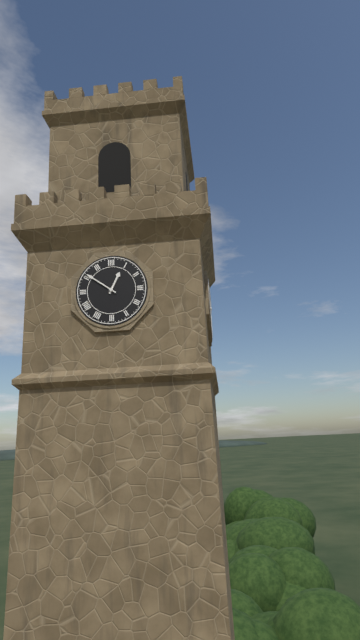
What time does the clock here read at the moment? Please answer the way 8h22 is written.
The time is 12h51
